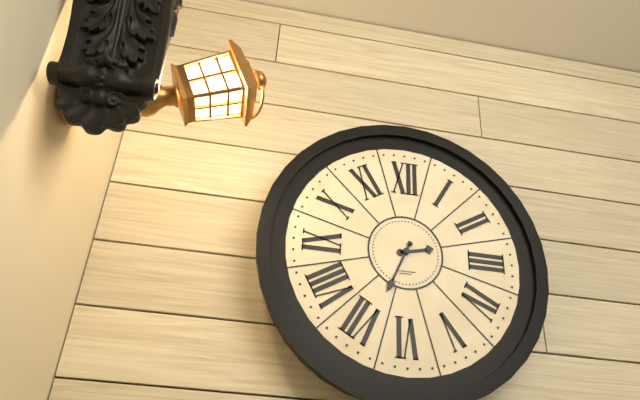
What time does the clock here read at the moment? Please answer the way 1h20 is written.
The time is 2h34
